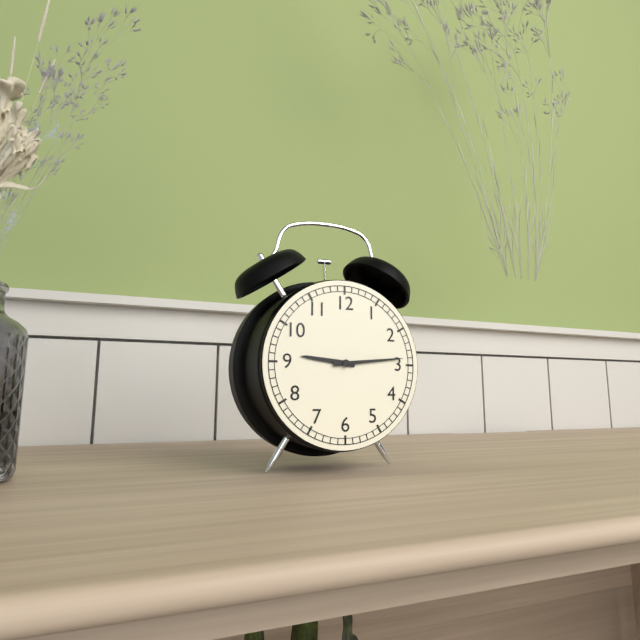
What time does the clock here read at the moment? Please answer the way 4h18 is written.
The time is 9h14
